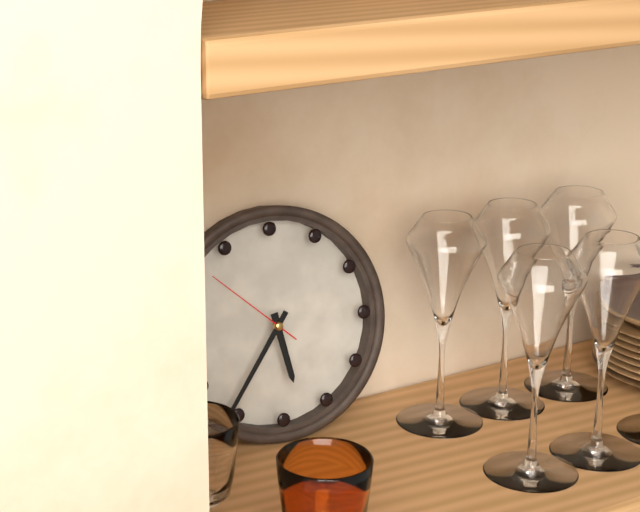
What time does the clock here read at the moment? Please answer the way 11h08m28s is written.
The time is 5h36m52s
